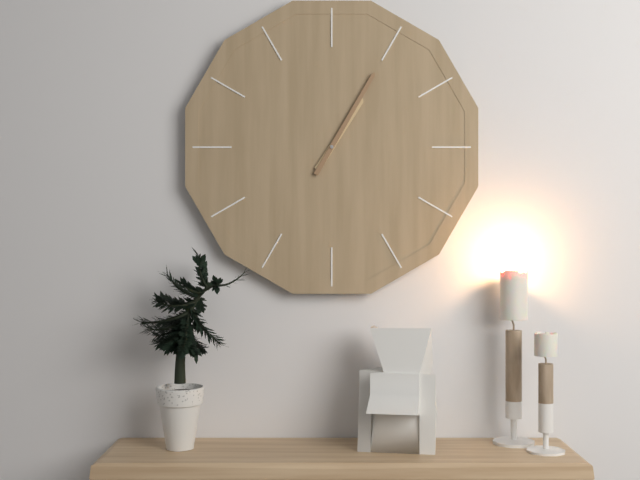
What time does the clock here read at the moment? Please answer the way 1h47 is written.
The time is 1h05
